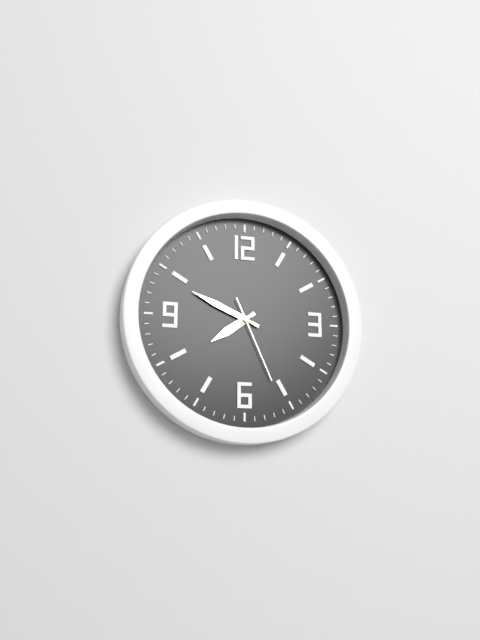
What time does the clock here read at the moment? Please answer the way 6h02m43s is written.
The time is 7h49m26s
